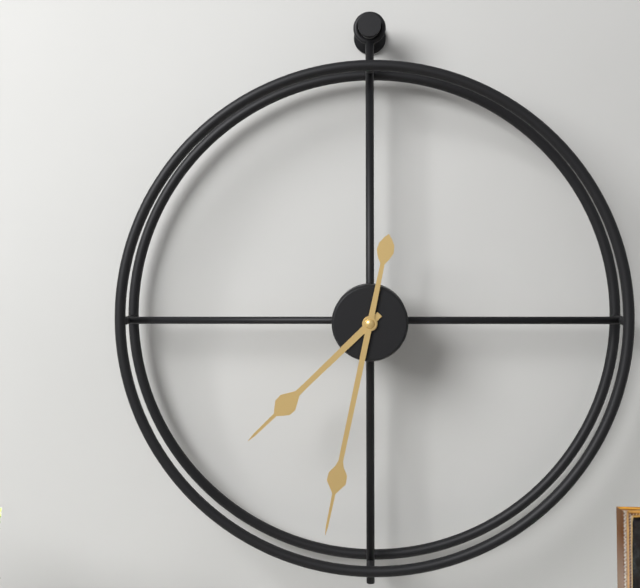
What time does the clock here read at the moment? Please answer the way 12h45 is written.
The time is 7h32
